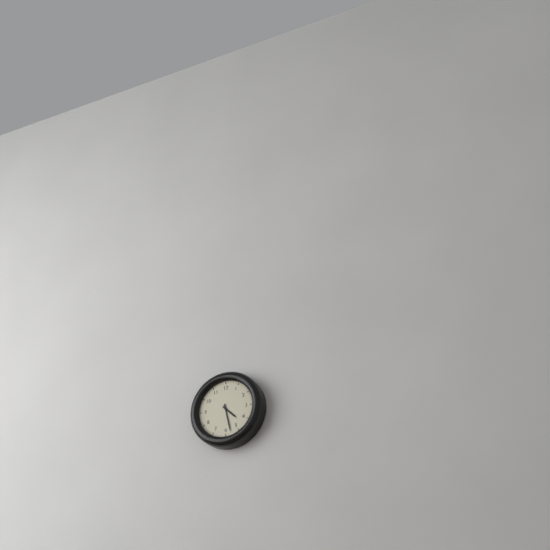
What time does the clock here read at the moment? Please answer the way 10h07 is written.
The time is 4h28
